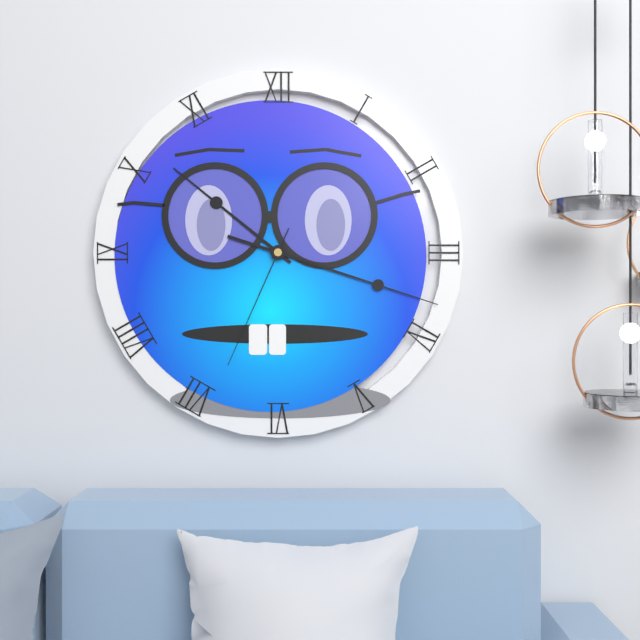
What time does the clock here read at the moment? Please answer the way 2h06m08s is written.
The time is 10h18m34s
